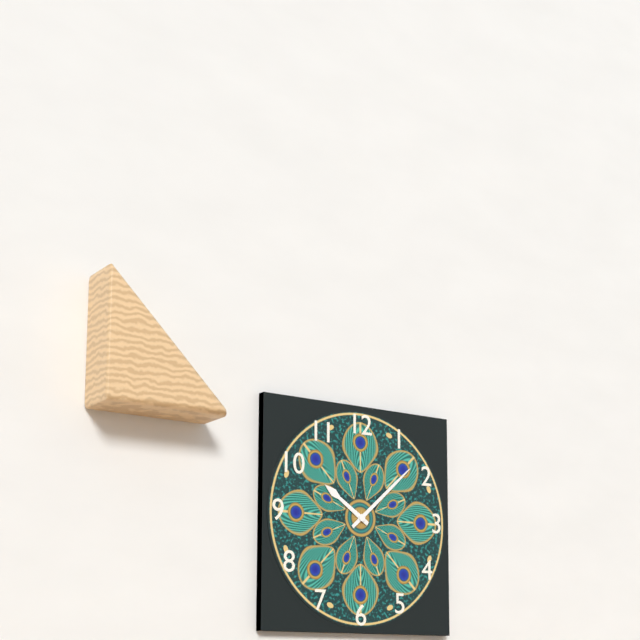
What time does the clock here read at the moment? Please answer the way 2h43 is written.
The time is 10h08
